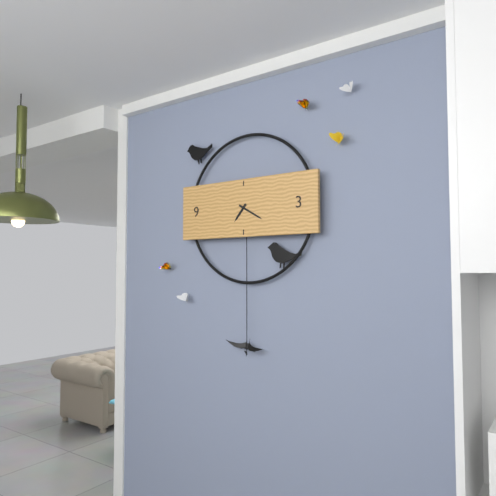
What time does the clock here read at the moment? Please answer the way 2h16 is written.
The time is 7h20
